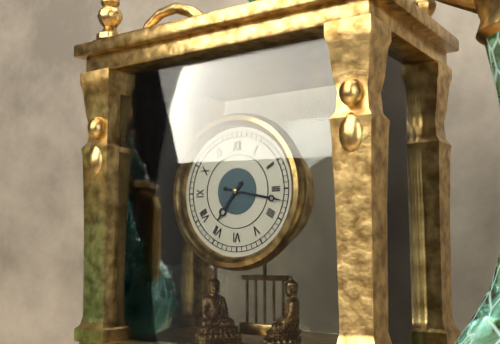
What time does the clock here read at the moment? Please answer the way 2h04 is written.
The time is 7h17
